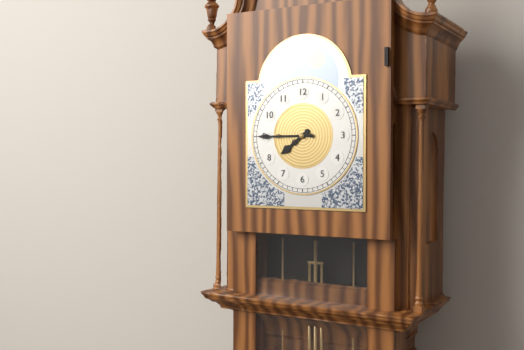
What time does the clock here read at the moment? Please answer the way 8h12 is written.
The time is 7h45
